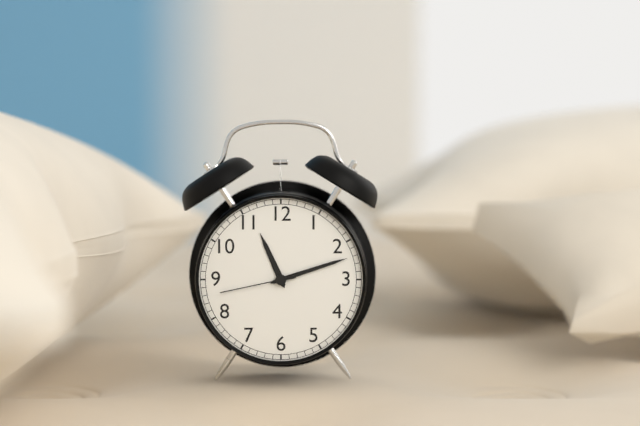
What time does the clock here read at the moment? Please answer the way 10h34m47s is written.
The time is 11h12m43s
